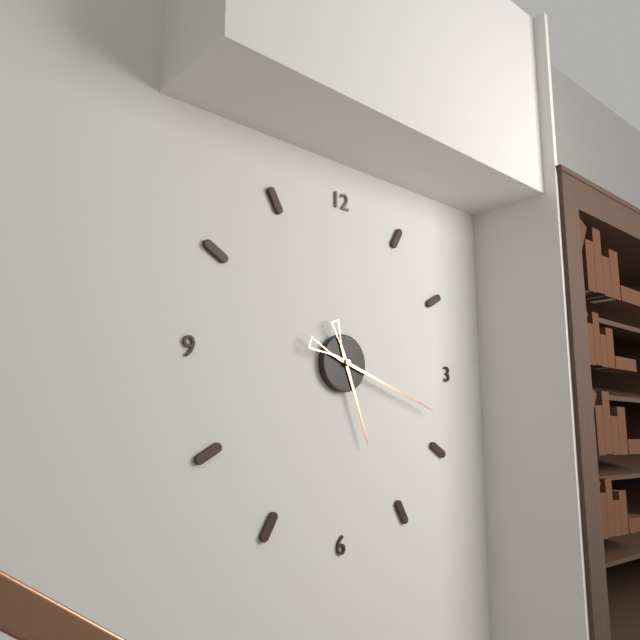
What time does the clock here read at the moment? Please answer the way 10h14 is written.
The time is 5h18
